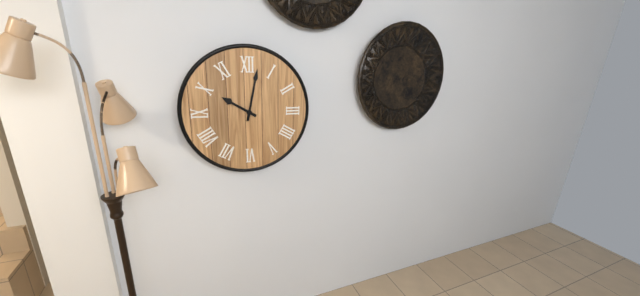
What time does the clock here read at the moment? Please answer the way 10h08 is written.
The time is 10h02
